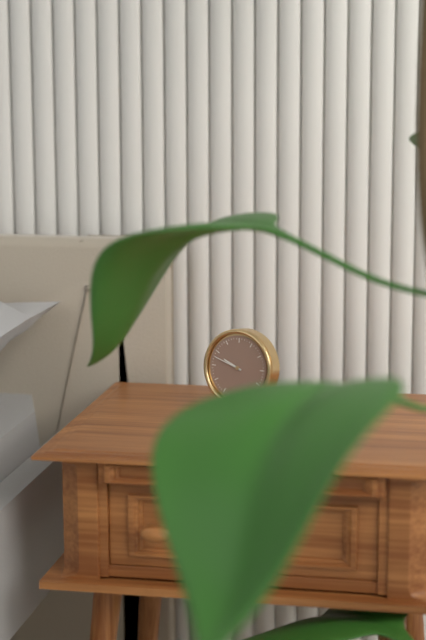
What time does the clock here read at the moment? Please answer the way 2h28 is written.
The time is 9h48
